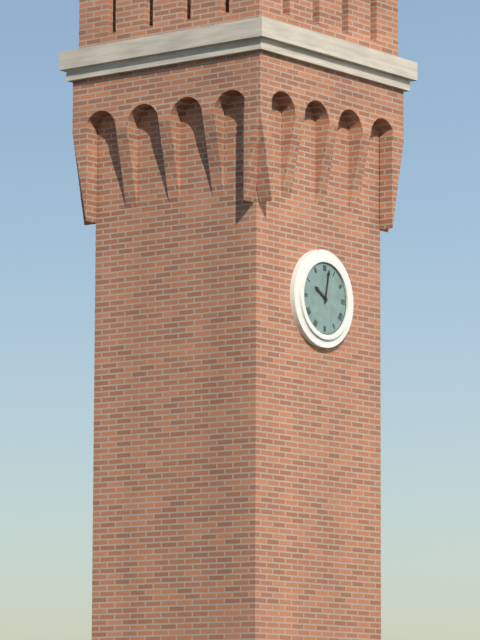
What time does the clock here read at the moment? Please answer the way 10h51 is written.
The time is 10h02
